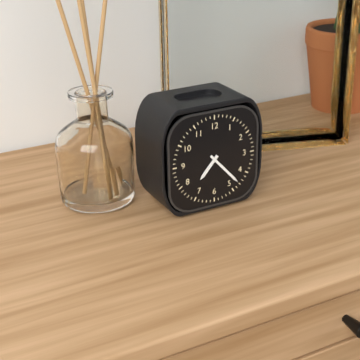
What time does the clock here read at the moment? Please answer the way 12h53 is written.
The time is 7h23
